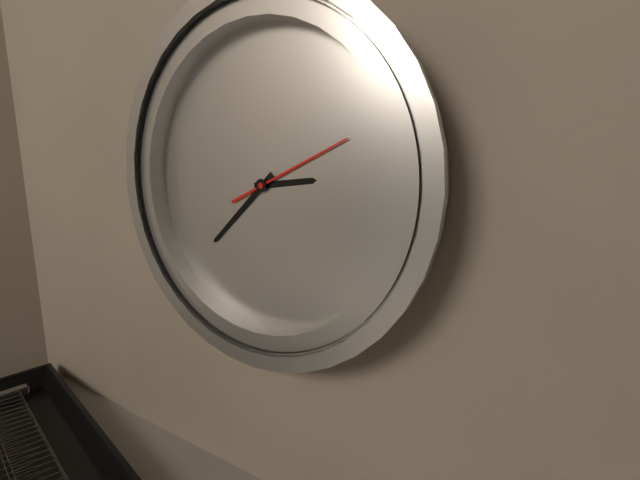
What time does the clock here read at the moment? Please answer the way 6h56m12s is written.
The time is 2h37m10s
